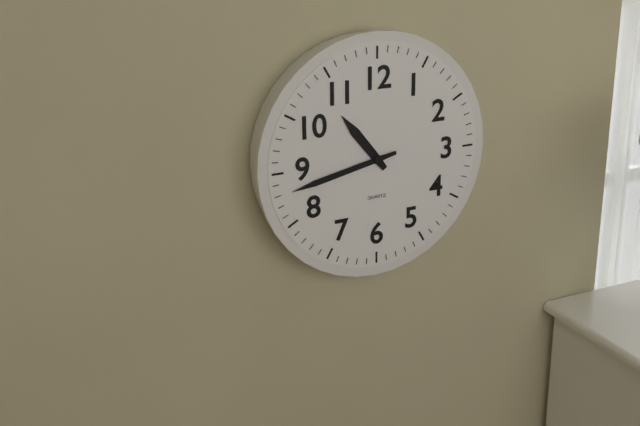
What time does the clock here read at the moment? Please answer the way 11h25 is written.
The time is 10h43
